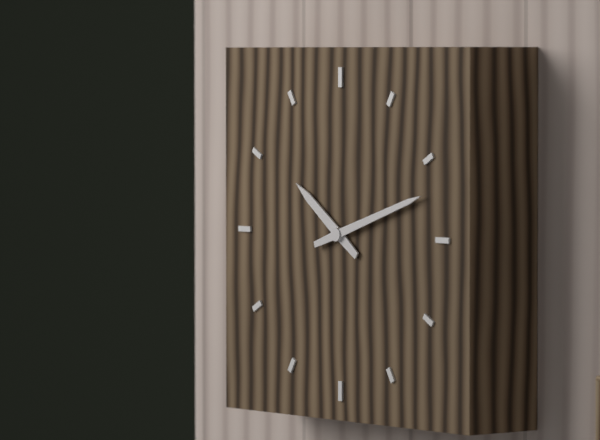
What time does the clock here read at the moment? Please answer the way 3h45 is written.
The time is 10h12
